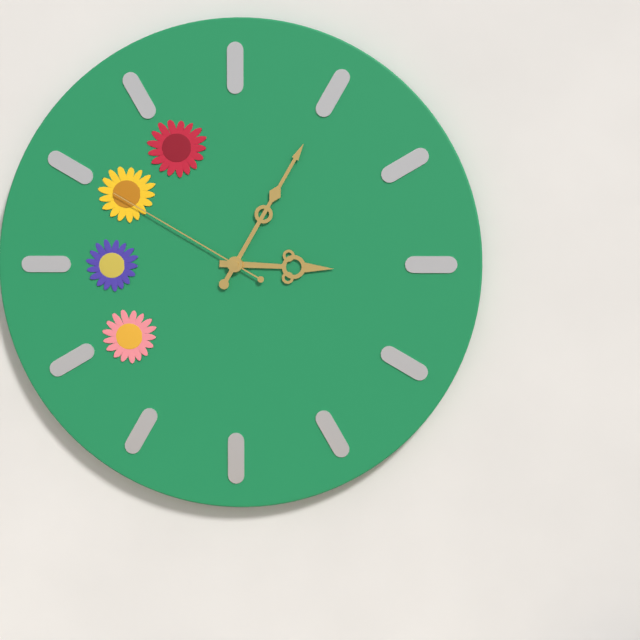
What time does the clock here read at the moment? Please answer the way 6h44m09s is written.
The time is 3h05m50s
